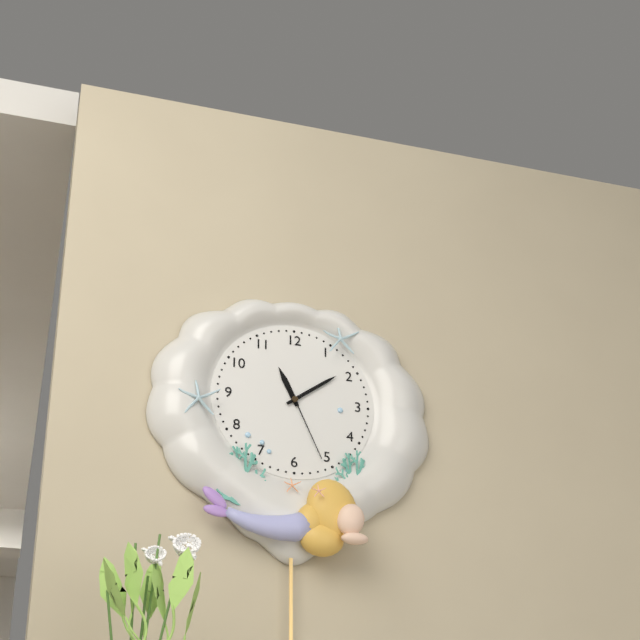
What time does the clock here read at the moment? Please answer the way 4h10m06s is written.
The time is 11h09m26s
